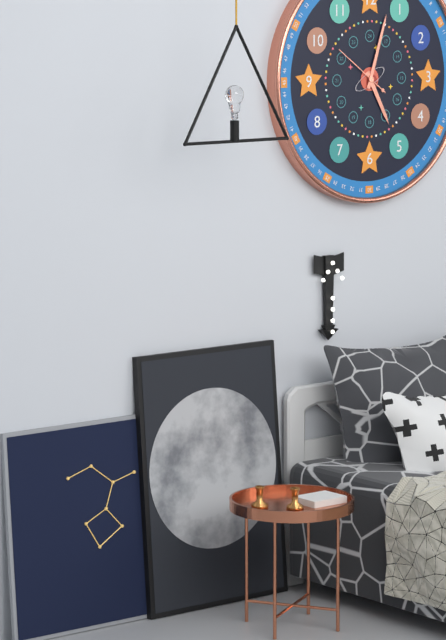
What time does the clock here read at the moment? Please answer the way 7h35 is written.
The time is 5h03
